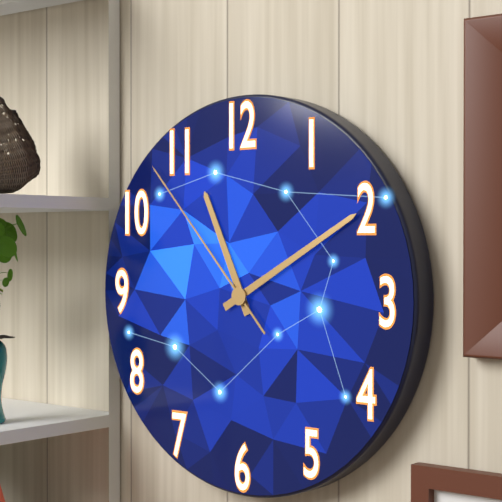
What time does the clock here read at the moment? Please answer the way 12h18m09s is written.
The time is 11h10m53s
